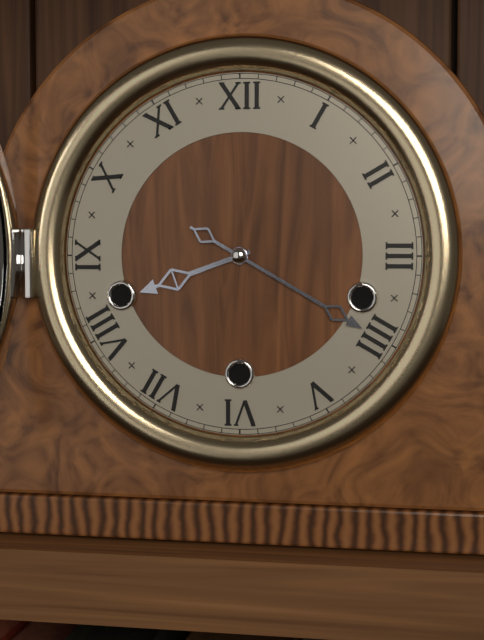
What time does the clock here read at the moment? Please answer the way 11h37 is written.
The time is 8h20
